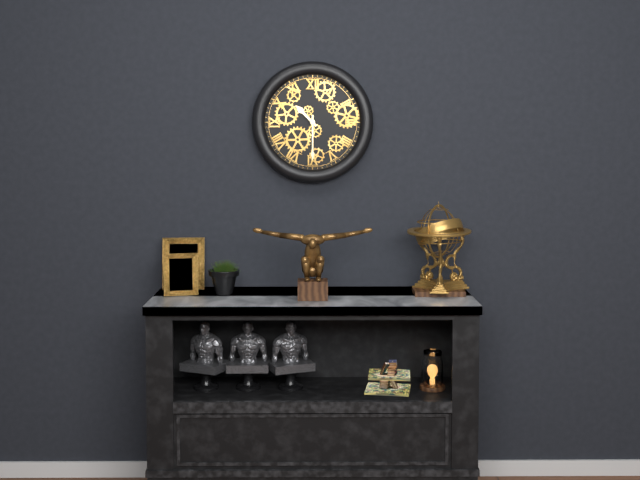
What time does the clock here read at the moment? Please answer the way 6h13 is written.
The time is 10h30
